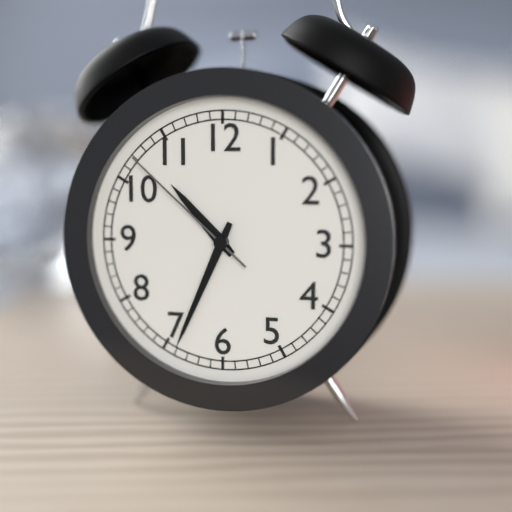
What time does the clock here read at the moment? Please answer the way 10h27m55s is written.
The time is 10h34m52s
